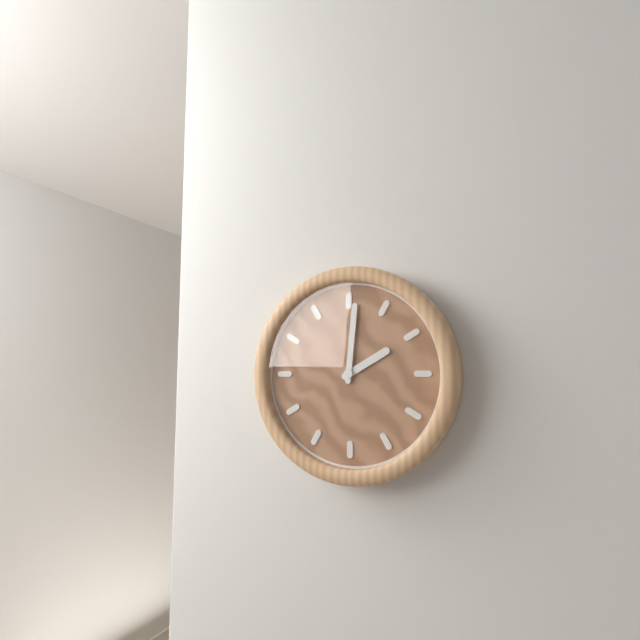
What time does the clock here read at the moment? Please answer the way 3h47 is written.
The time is 2h01
